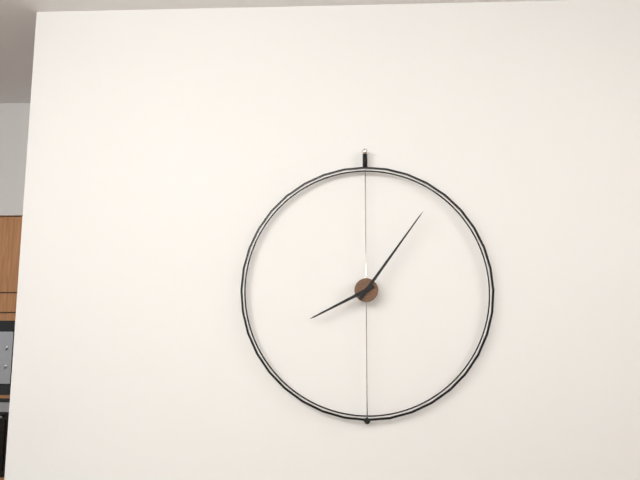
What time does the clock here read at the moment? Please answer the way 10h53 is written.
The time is 8h06
